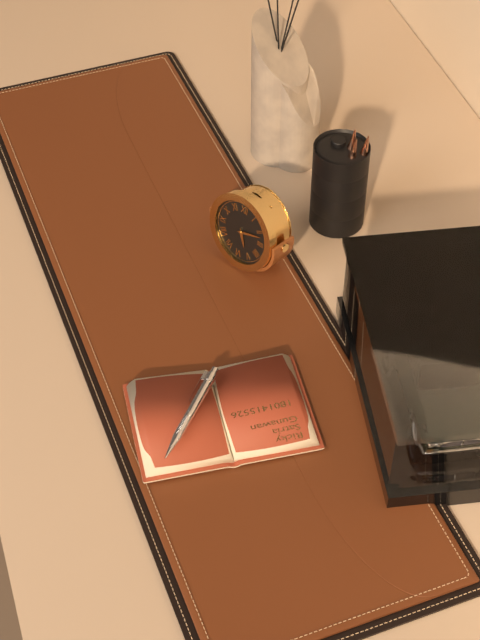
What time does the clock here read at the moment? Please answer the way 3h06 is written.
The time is 5h12
